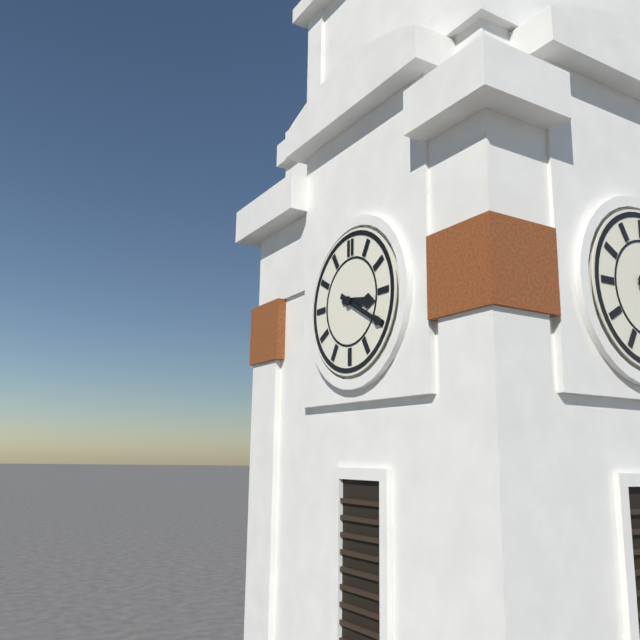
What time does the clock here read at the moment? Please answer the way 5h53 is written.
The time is 3h20
